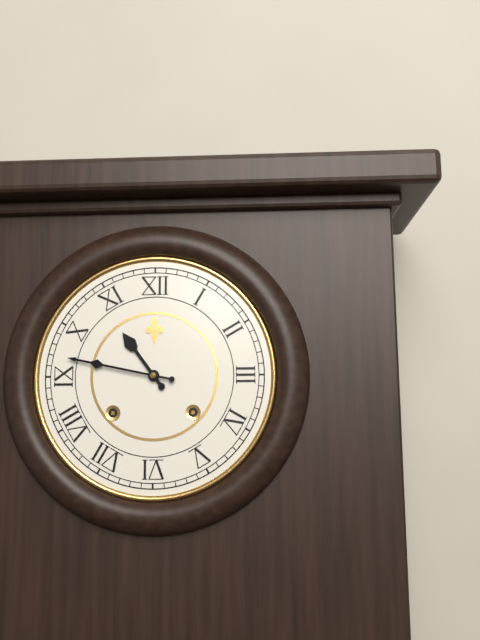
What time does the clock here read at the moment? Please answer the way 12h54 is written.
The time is 10h47
